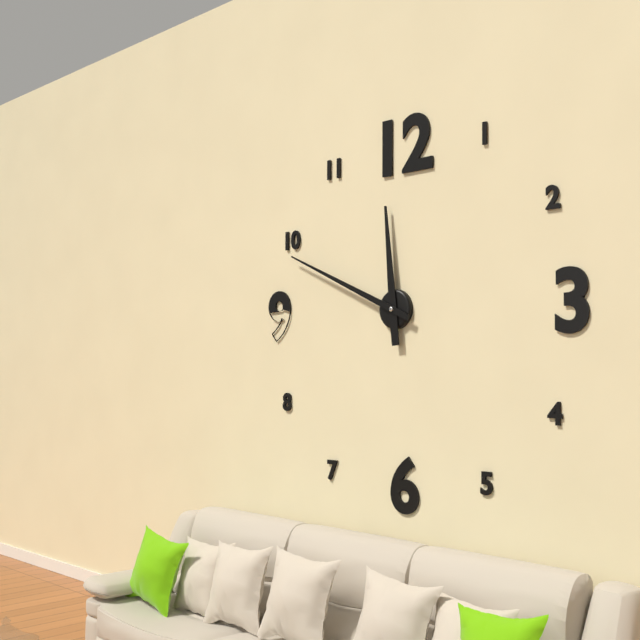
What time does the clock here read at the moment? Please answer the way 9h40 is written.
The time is 11h49
